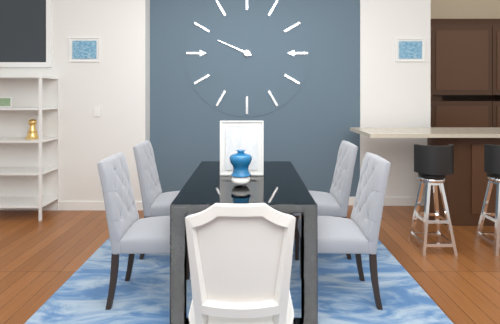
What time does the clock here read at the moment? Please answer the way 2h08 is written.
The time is 9h49
